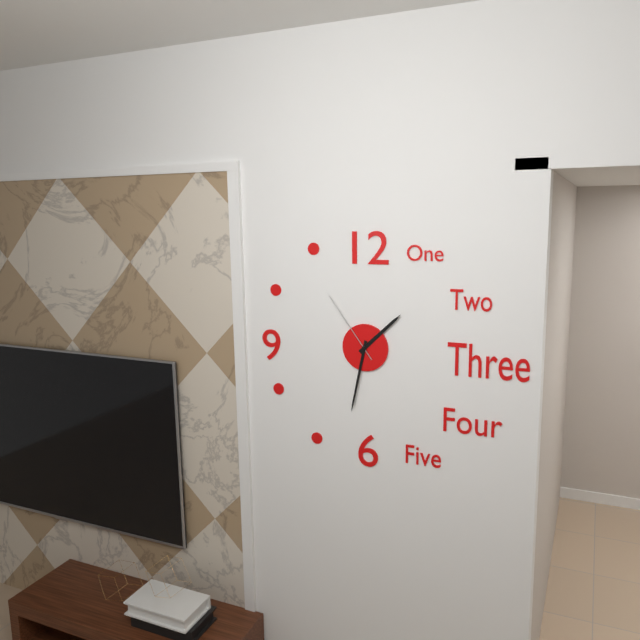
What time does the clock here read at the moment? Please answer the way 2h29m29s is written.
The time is 1h32m54s
